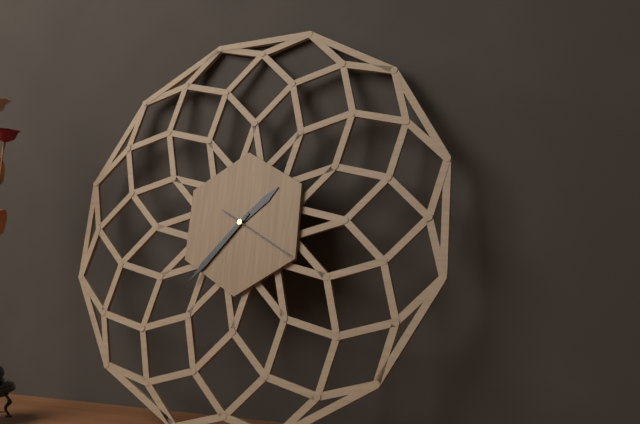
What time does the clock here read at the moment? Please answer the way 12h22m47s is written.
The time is 1h37m20s
